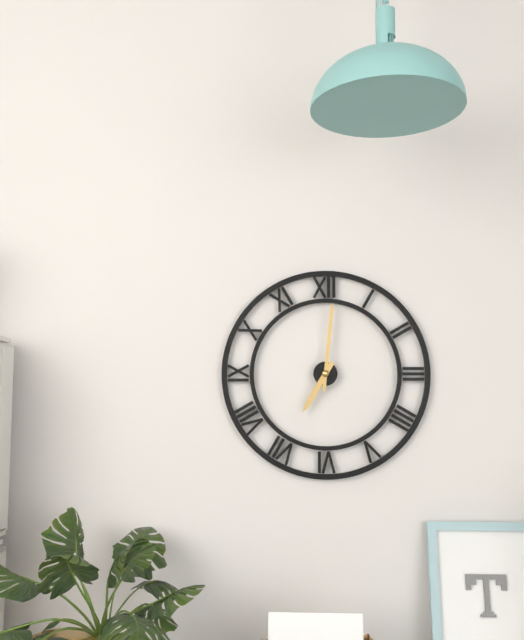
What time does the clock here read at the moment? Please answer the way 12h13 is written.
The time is 7h01
